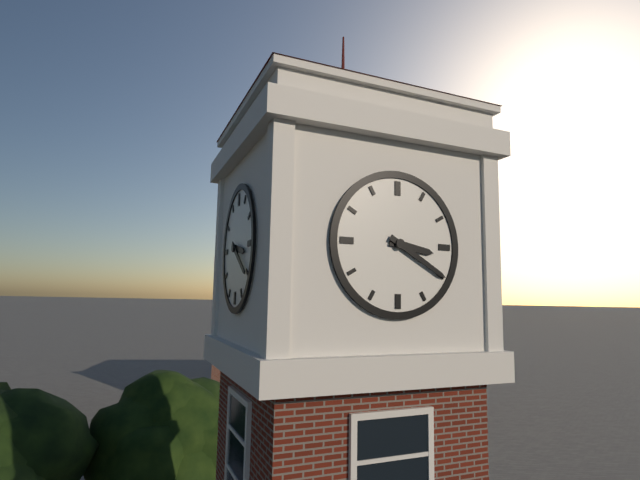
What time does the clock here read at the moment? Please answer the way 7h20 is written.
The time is 3h20
